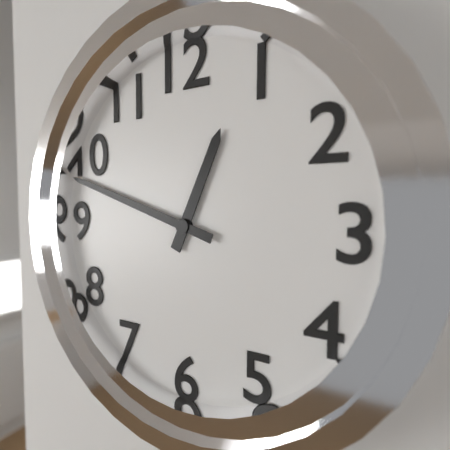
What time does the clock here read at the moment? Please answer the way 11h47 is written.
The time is 12h48
